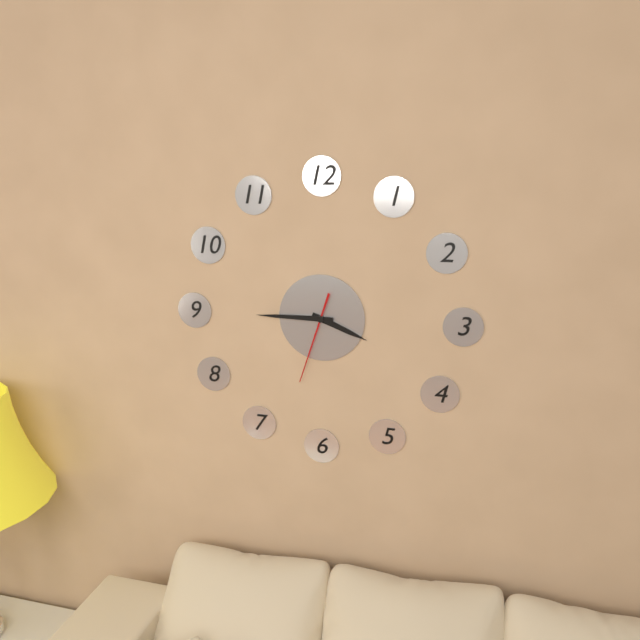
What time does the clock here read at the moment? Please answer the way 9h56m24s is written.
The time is 3h45m33s
